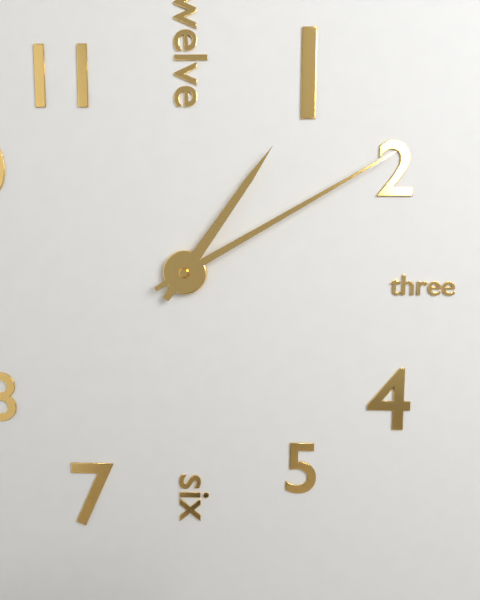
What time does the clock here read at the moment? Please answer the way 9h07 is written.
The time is 1h10
